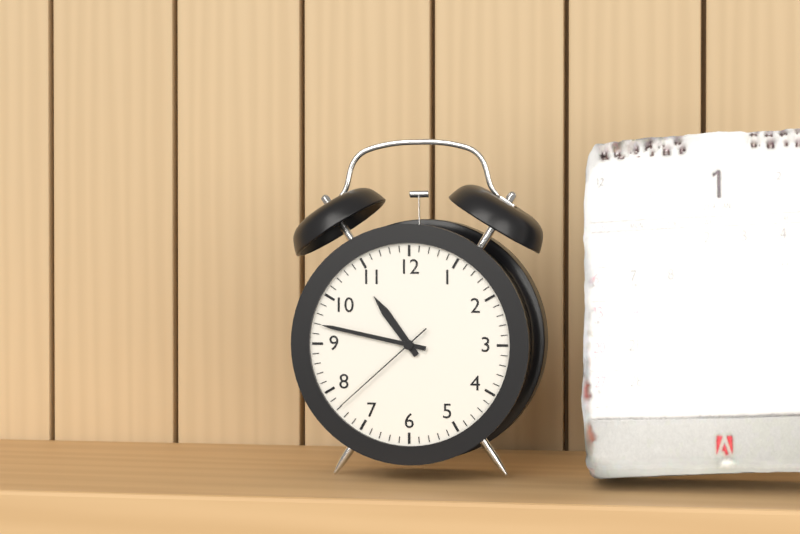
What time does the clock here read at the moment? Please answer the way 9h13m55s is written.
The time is 10h47m38s
